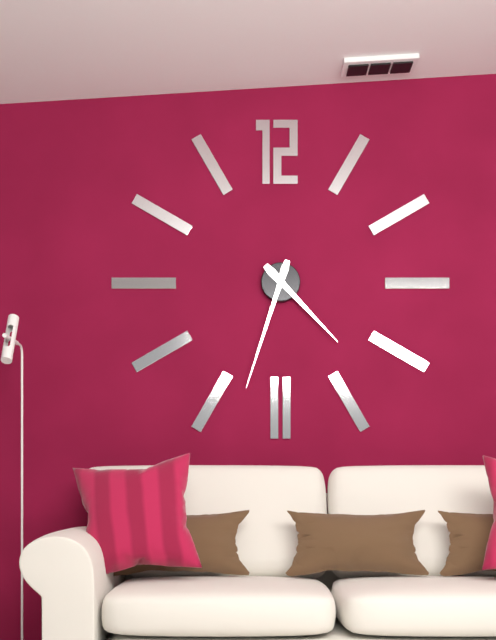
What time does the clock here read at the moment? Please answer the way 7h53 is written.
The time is 4h33
